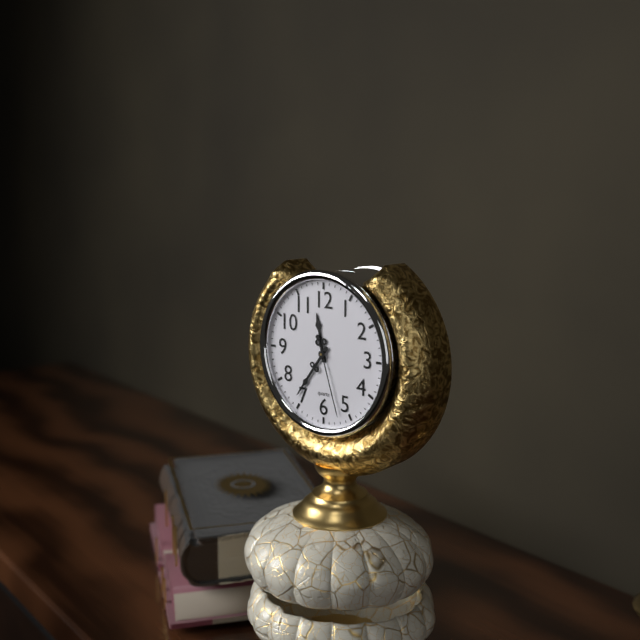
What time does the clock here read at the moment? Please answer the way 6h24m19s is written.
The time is 11h36m27s
